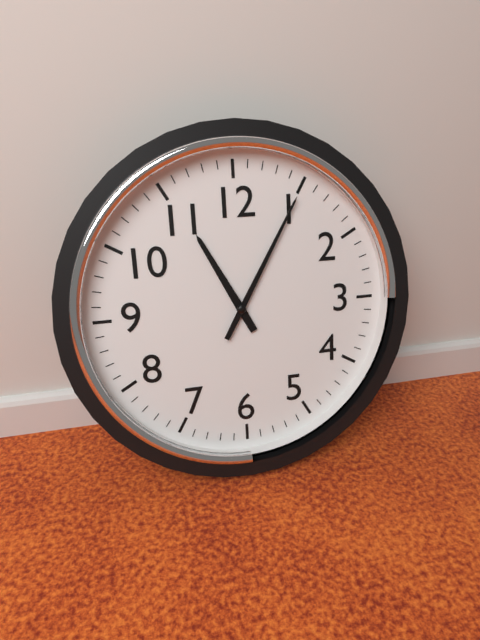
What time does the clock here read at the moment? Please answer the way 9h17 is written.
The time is 11h05
